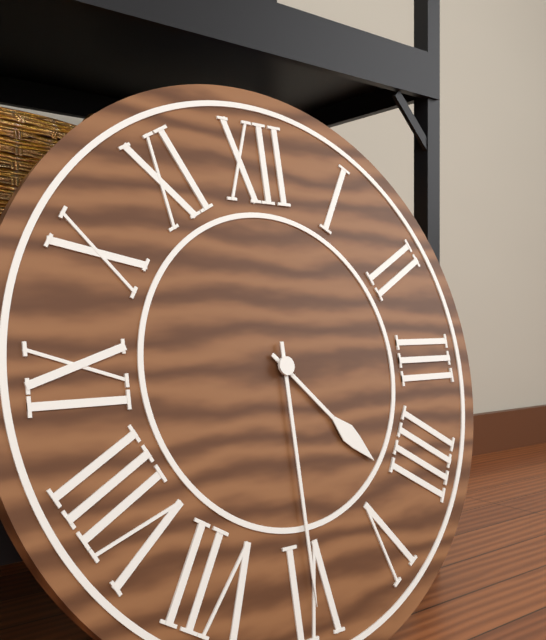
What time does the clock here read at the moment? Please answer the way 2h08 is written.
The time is 4h30
